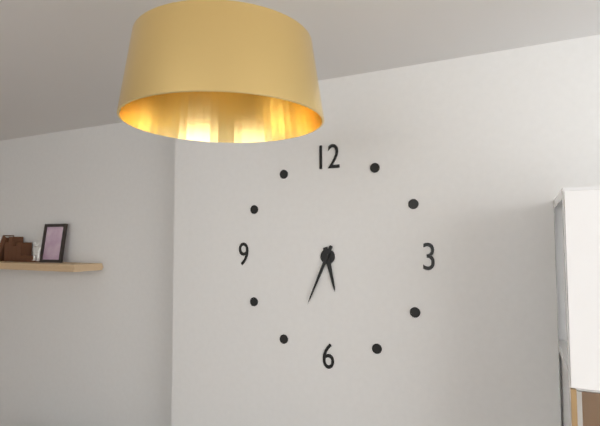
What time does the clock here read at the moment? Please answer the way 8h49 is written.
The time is 5h34
